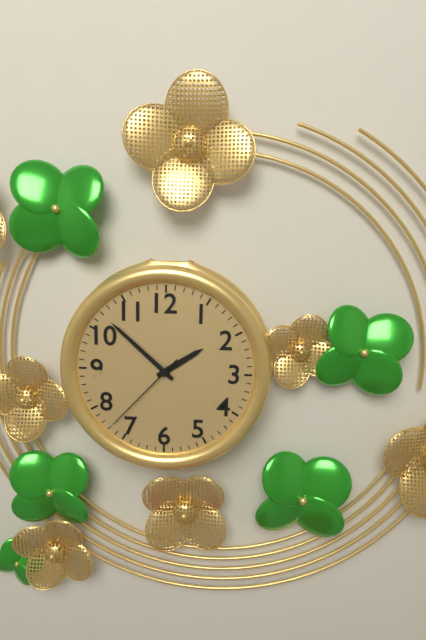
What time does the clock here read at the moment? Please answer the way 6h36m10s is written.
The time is 1h52m37s
